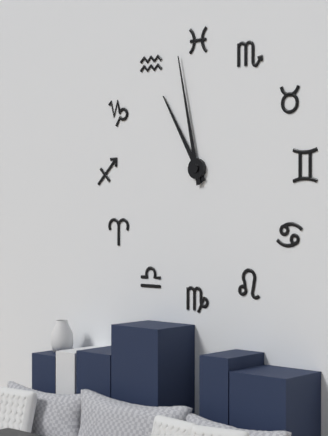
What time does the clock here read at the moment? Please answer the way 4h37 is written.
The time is 10h58
